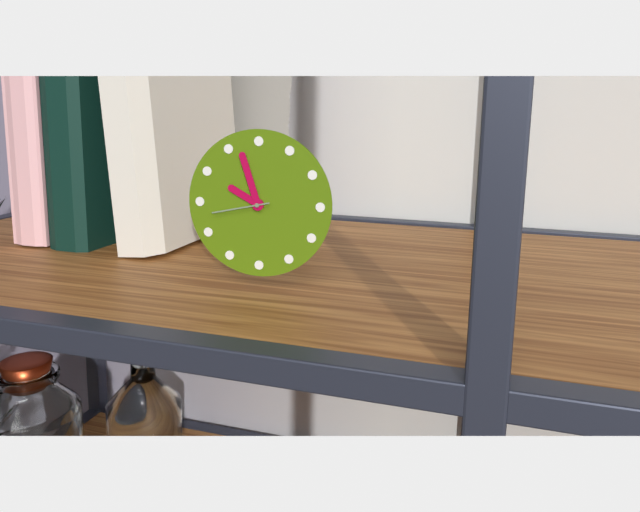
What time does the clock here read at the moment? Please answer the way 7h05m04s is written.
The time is 9h57m43s
